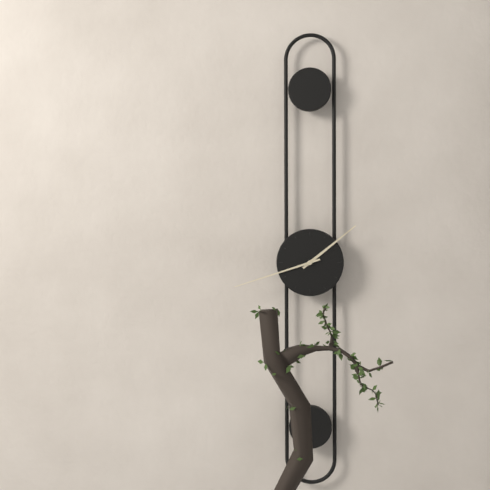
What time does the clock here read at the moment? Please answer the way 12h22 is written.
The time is 1h42
